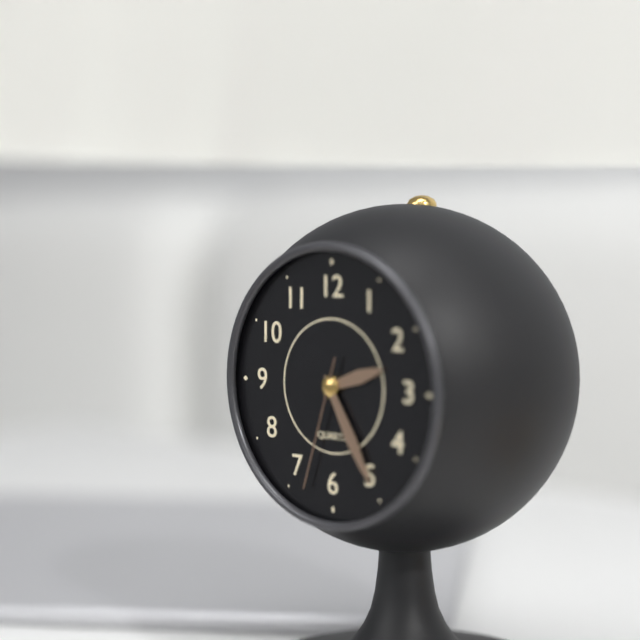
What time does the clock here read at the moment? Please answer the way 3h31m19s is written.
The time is 2h25m33s
